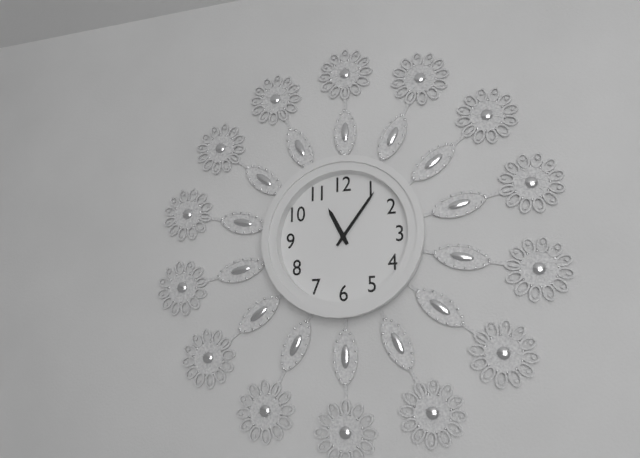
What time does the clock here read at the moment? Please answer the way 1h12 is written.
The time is 11h06
